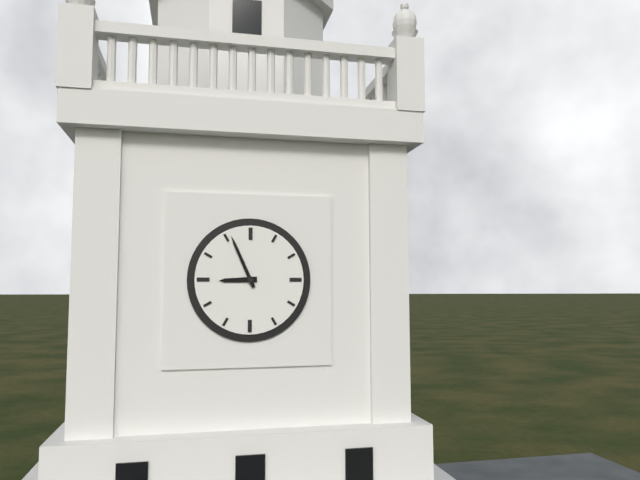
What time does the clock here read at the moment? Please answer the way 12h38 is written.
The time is 8h56
